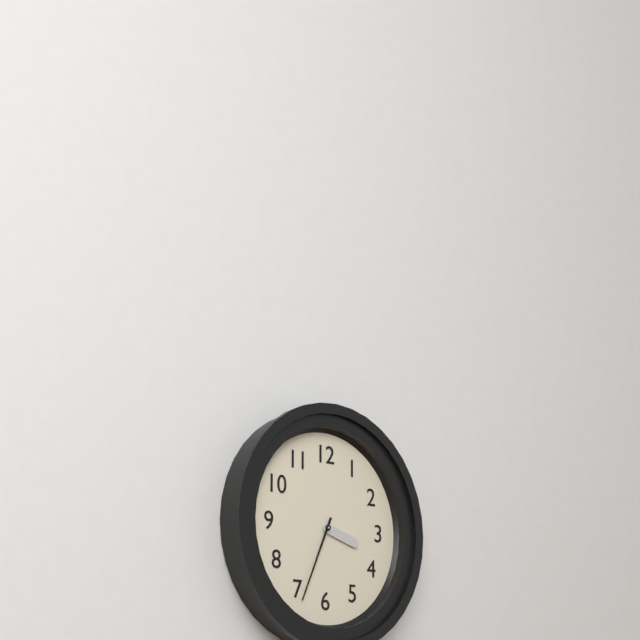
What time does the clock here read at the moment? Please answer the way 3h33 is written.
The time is 3h34
